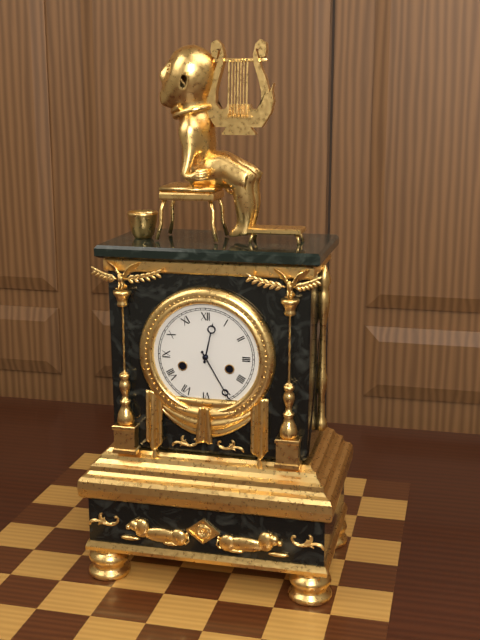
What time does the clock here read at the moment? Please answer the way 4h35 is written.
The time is 12h25
